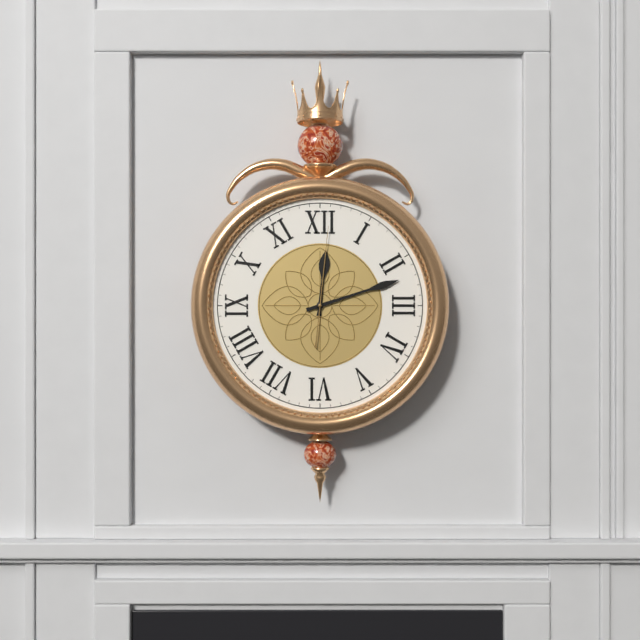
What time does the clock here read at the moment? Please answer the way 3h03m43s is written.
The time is 12h12m01s
